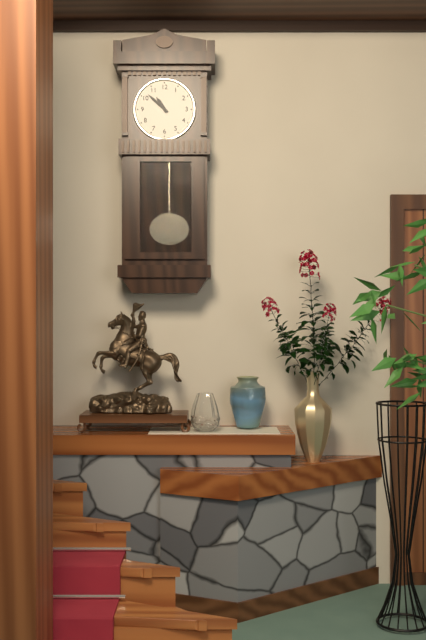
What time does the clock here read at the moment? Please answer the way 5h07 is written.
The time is 10h52
